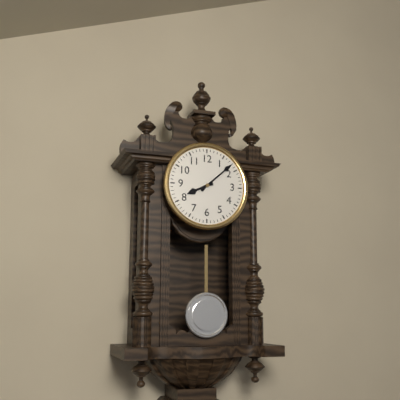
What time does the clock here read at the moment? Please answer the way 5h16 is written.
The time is 8h08
